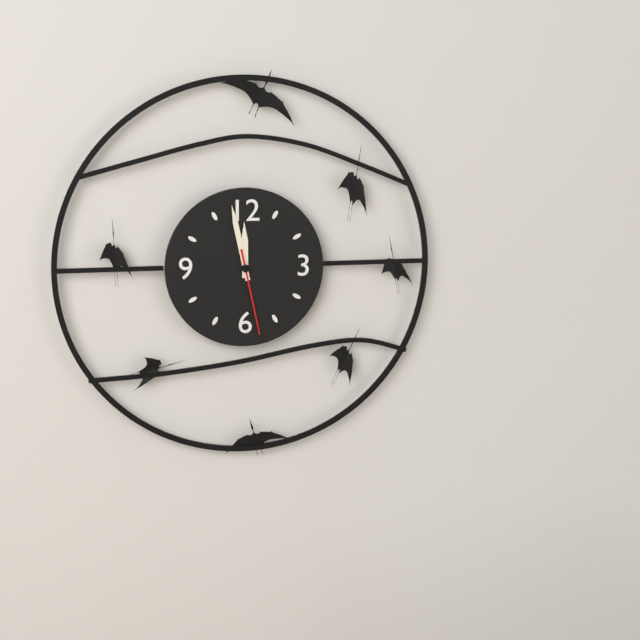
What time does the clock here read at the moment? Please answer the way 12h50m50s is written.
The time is 11h58m28s
